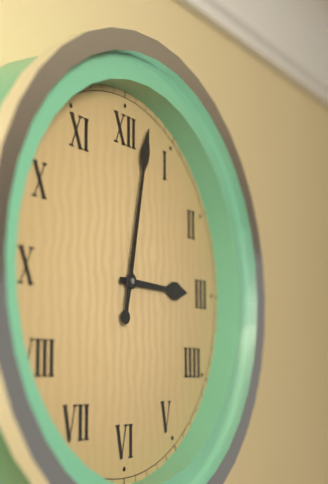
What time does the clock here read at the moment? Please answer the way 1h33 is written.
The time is 3h02
